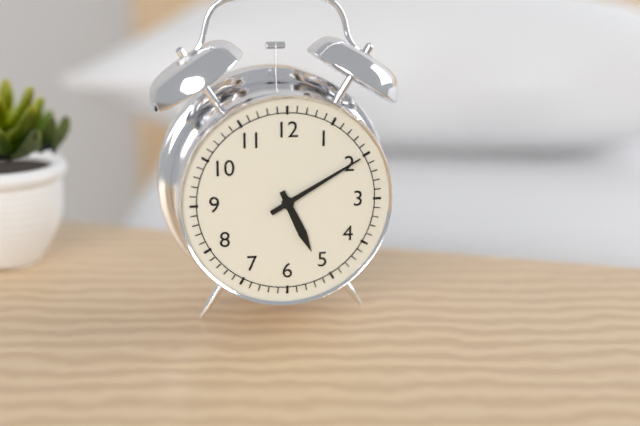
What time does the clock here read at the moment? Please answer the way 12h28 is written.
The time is 5h10
